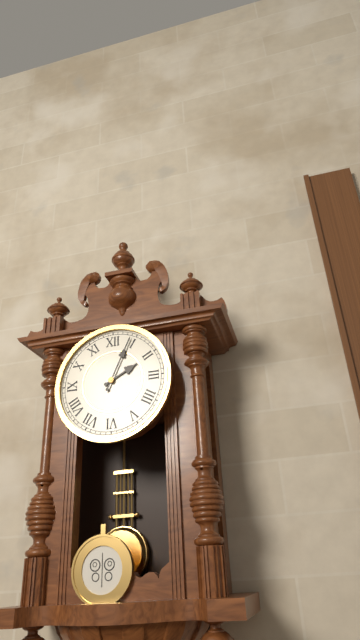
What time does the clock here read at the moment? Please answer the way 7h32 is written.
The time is 2h04
